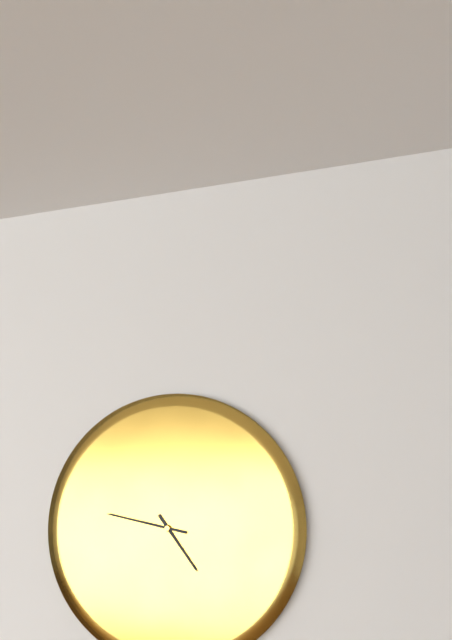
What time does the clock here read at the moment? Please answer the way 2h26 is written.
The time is 4h47
